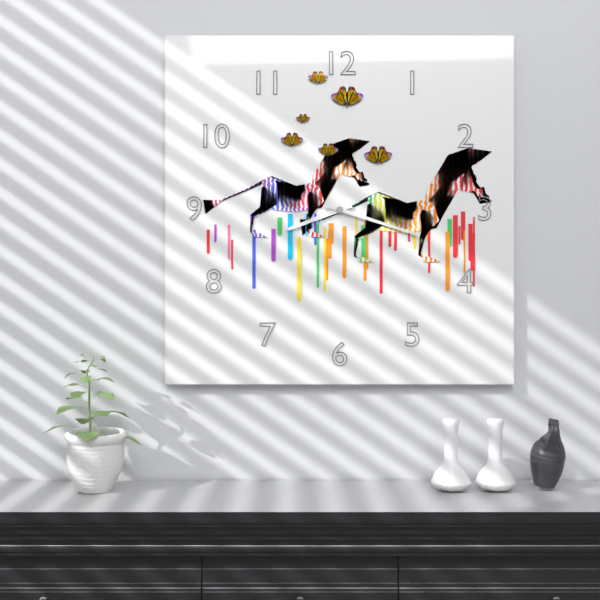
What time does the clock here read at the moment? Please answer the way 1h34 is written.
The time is 8h18
